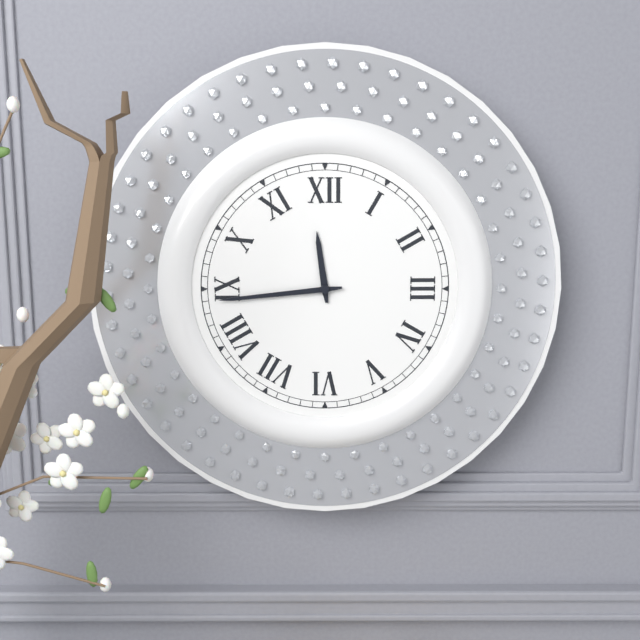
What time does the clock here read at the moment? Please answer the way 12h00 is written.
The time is 11h44
